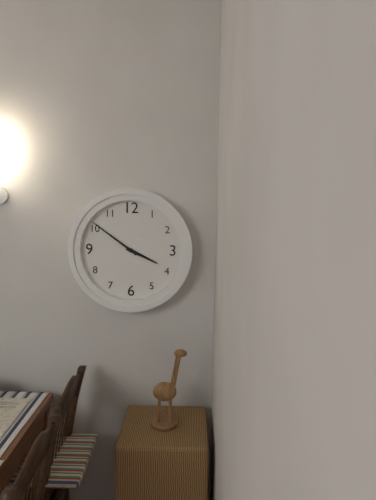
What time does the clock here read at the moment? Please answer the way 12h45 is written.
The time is 3h51
